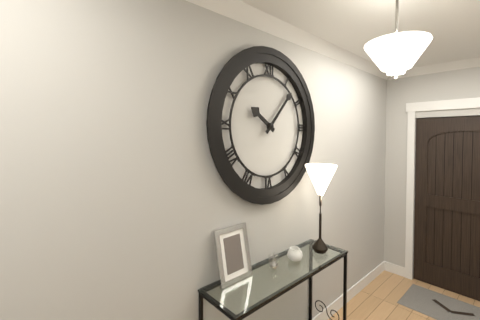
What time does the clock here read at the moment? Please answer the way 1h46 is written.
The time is 10h07
